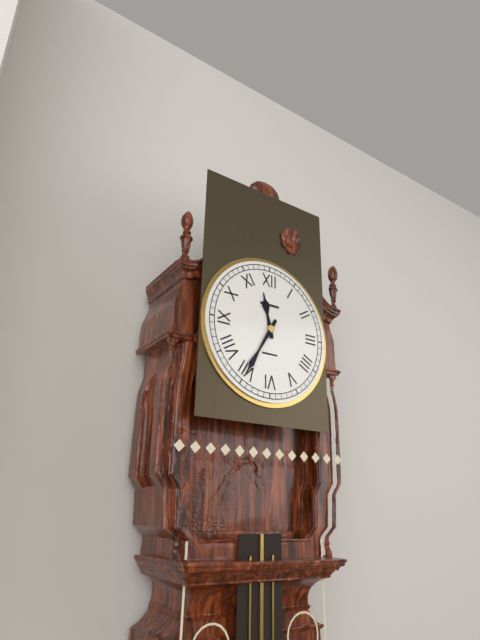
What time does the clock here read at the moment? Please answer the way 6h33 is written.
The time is 11h35
